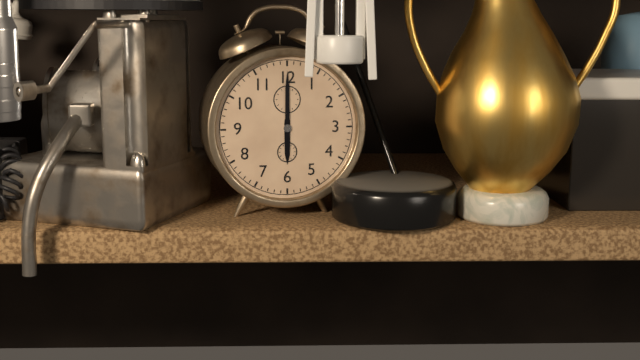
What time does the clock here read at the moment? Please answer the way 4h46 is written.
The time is 6h00
